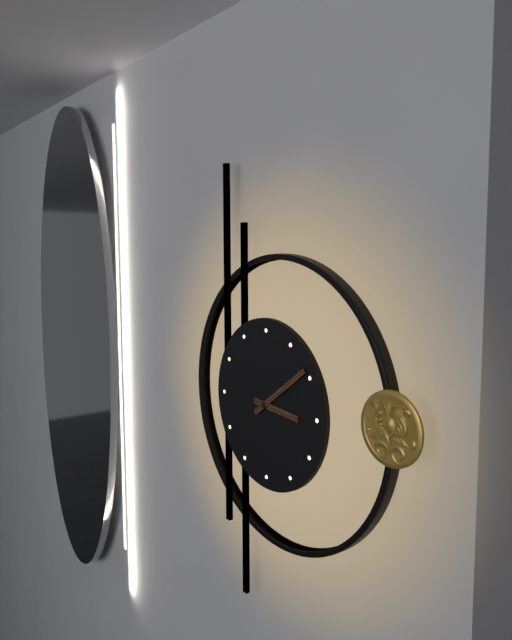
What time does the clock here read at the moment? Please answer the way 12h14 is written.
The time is 3h09
